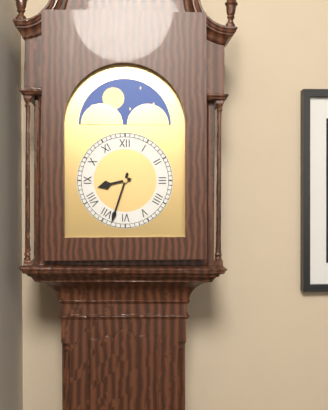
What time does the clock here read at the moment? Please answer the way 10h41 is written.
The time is 8h33
